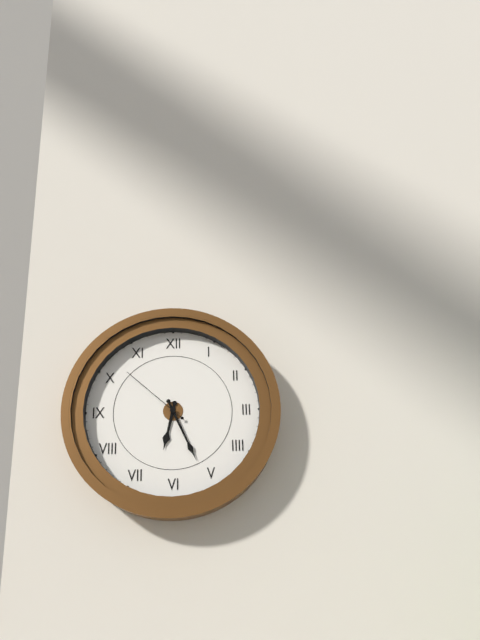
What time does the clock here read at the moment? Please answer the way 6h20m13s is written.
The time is 6h26m52s
